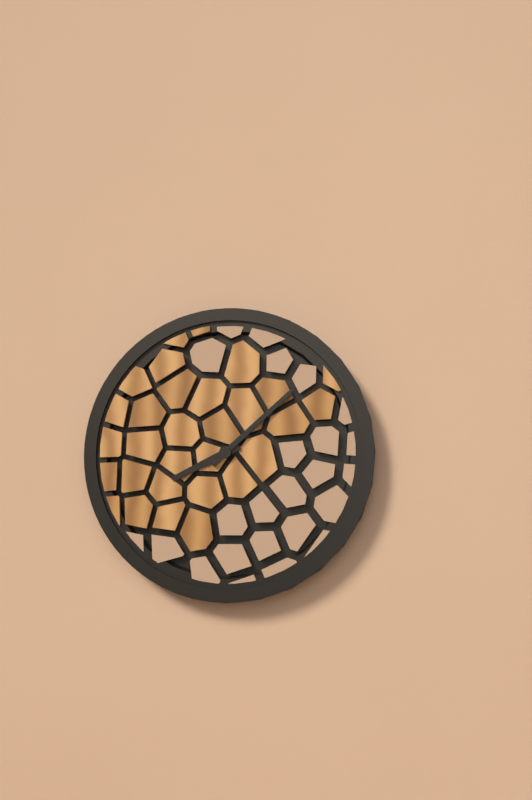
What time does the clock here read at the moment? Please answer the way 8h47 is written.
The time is 8h08
